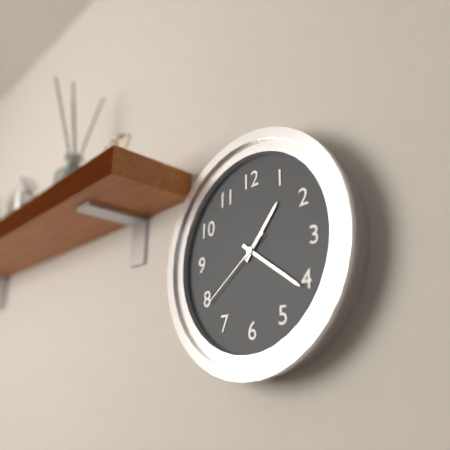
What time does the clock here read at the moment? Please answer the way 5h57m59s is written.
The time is 1h21m39s
